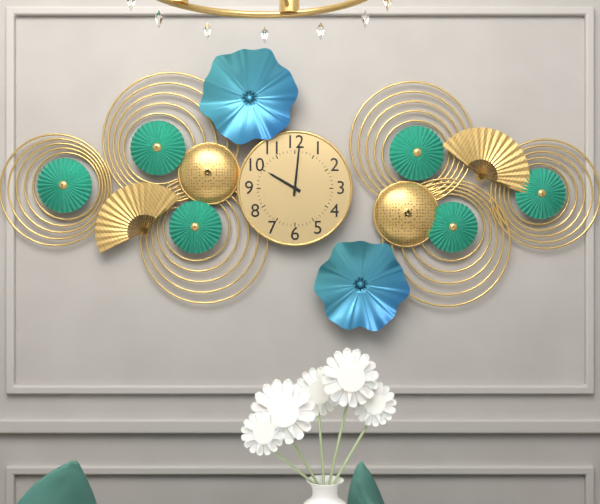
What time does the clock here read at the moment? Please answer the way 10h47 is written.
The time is 10h01
